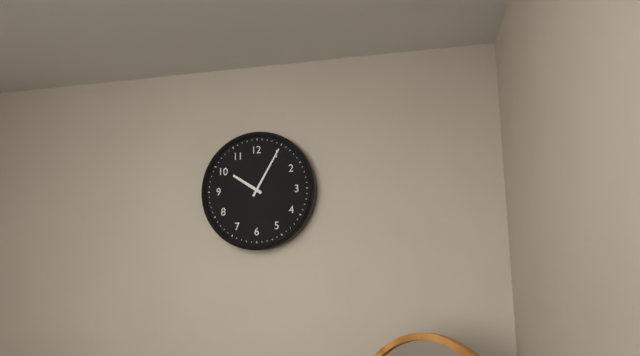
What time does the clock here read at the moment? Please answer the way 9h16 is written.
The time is 10h05
